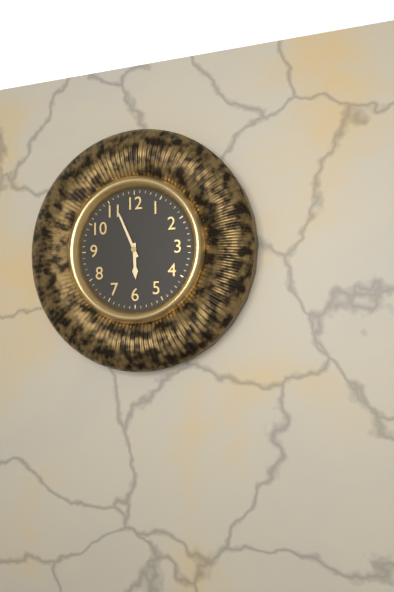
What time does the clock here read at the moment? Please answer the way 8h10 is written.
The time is 5h56
